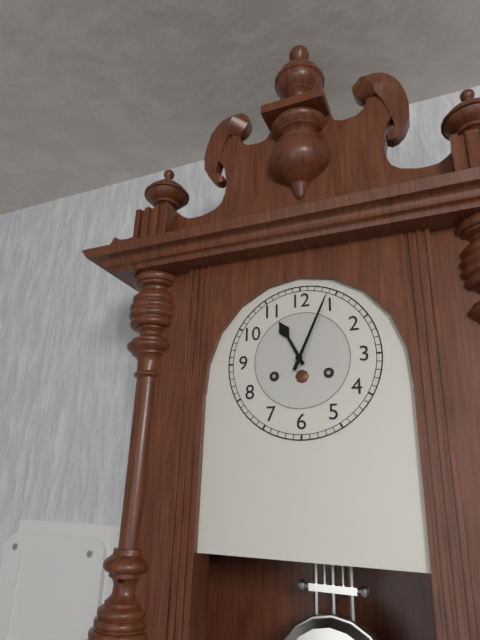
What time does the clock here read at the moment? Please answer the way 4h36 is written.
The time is 11h04
